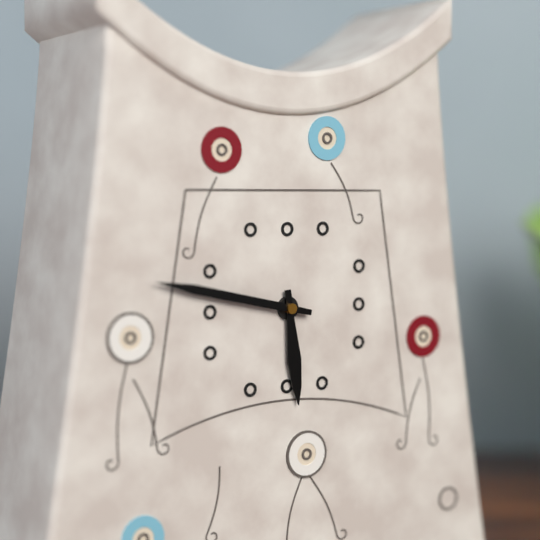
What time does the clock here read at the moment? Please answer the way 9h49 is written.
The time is 5h47
